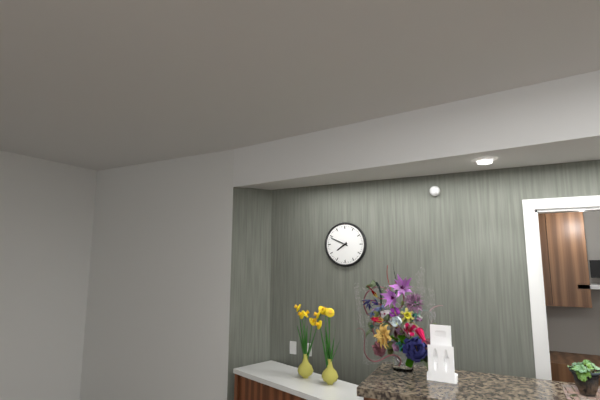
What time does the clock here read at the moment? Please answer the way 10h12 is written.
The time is 7h49
